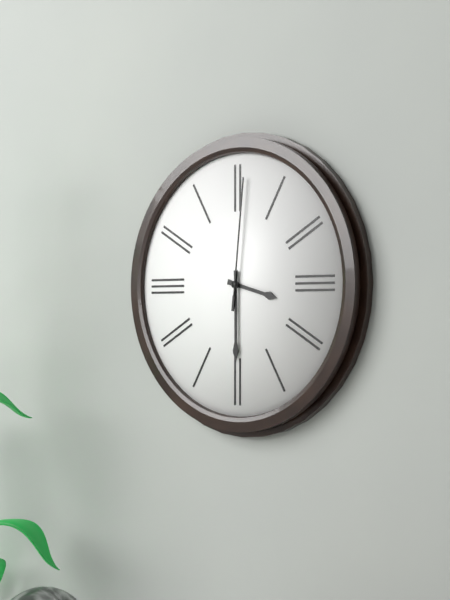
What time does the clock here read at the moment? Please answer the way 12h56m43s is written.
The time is 3h30m01s
